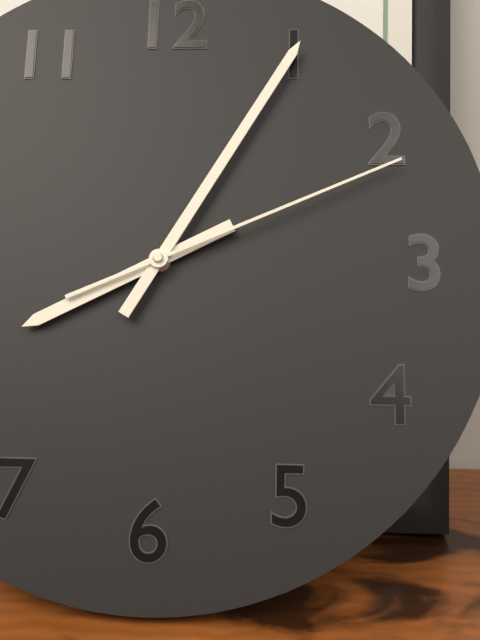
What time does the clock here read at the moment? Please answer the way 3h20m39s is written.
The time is 8h05m11s
